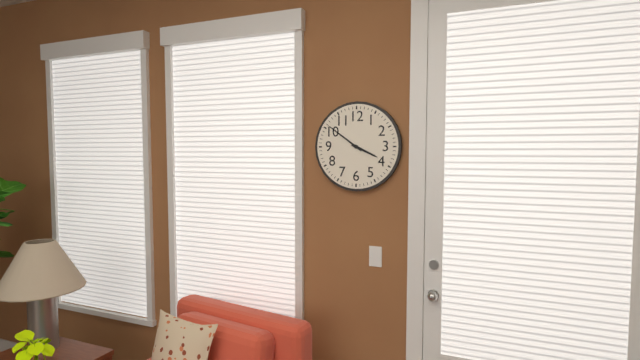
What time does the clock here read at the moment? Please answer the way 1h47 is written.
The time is 3h51
